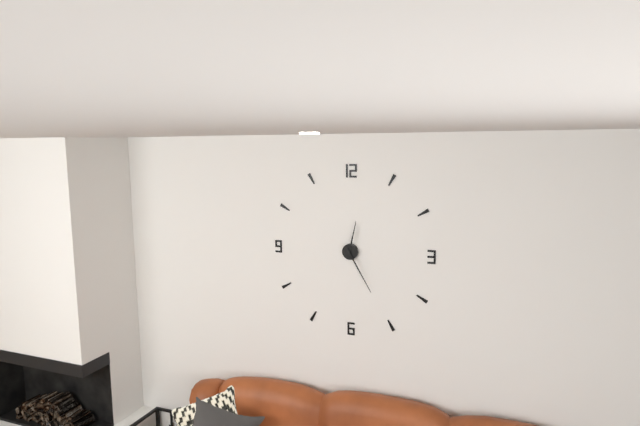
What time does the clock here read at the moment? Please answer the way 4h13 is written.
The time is 12h25
